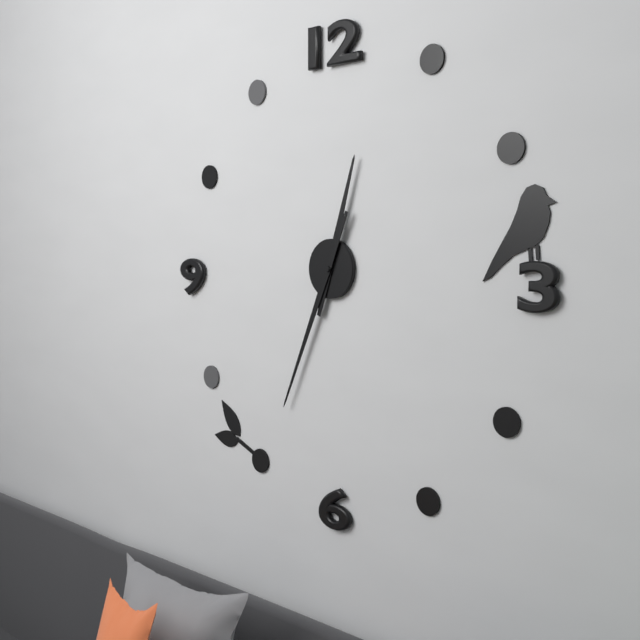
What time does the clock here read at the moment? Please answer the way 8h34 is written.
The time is 12h34
